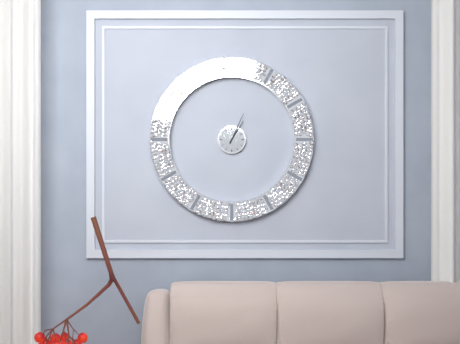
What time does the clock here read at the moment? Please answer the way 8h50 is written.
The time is 1h04
